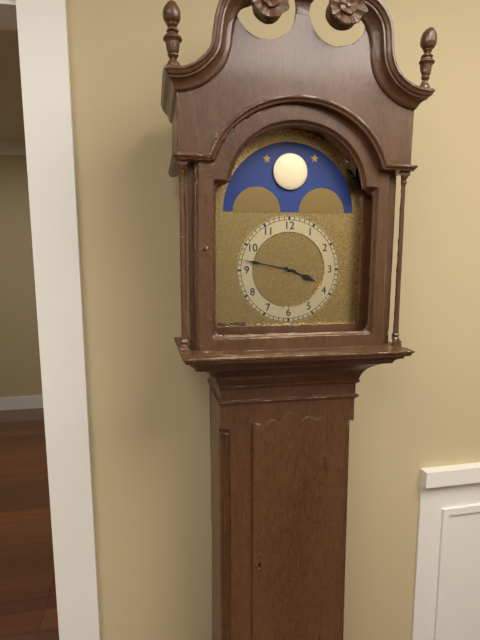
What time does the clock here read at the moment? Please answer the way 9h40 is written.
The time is 3h47
